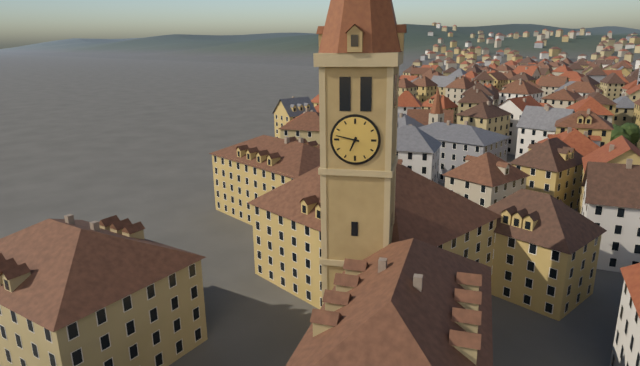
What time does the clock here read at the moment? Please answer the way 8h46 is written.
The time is 6h47
